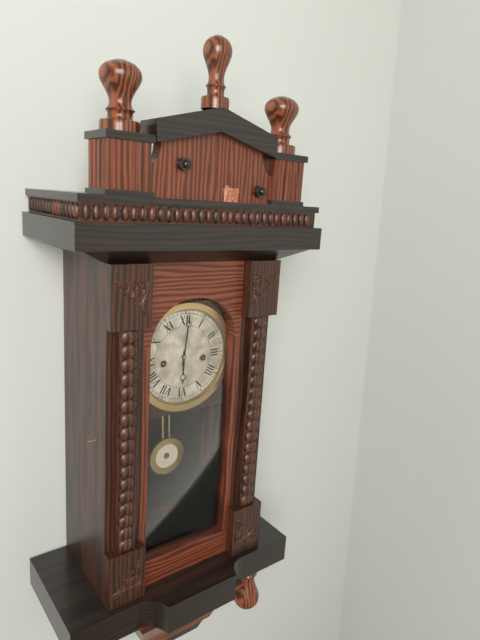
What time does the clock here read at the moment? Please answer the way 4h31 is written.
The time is 6h01
